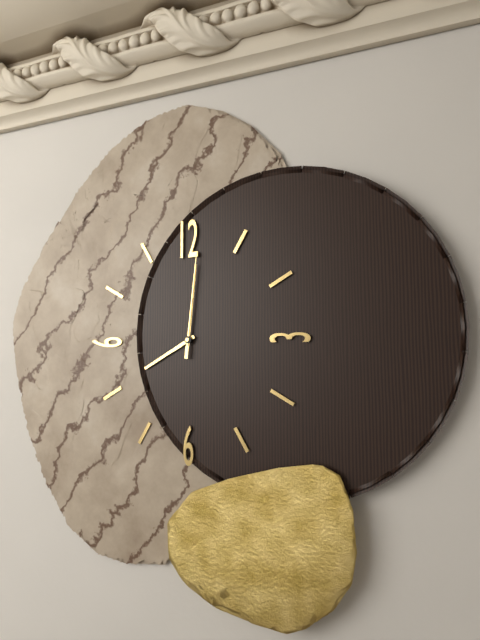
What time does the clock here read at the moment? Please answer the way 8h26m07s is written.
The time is 8h01m01s
